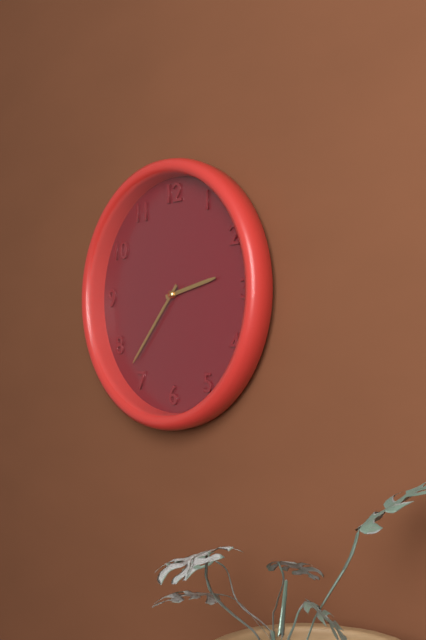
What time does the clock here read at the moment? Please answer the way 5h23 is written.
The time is 2h37
